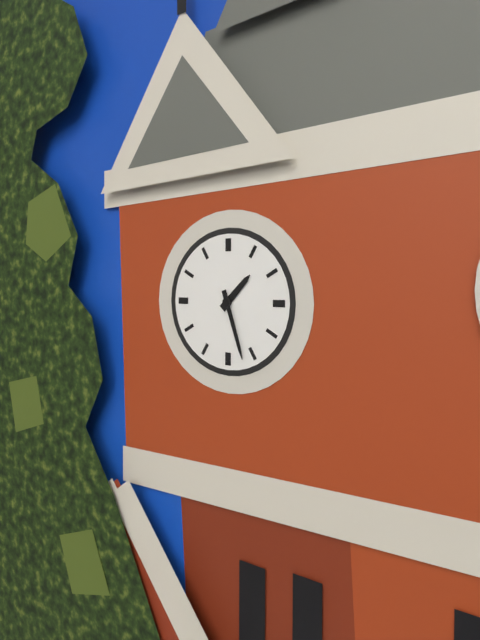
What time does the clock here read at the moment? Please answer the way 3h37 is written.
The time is 1h27
